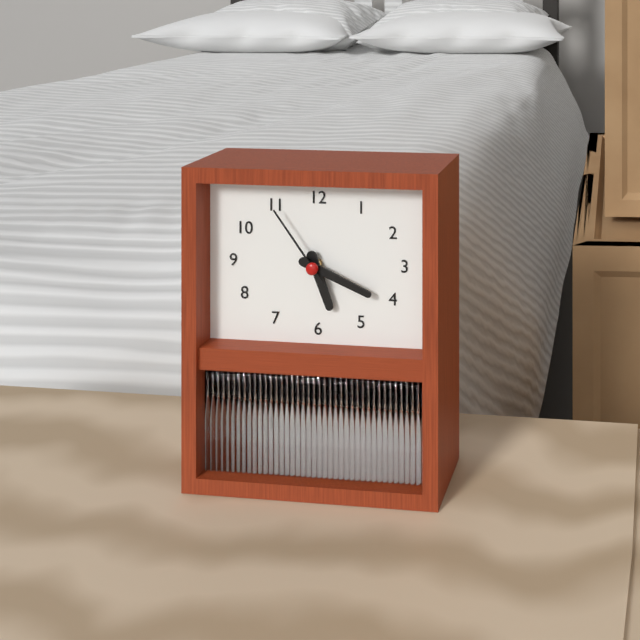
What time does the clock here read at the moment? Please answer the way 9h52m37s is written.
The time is 5h19m54s
